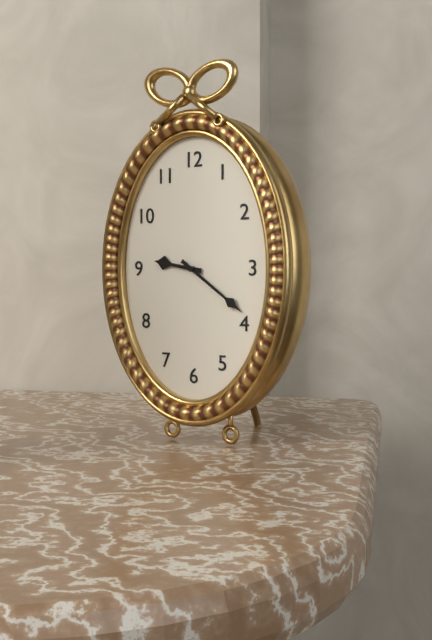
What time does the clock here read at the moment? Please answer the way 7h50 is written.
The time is 9h21
